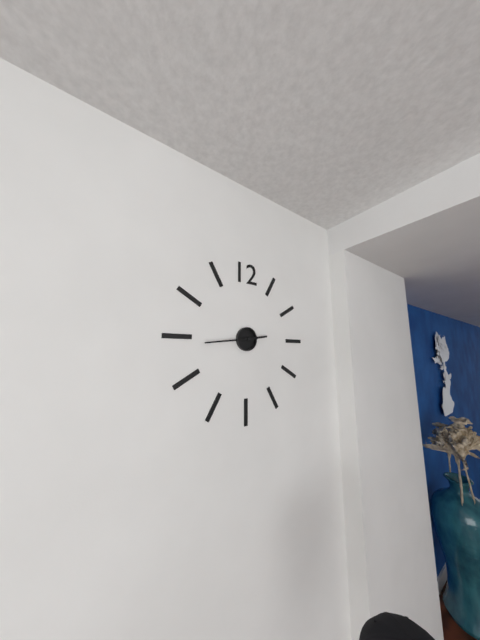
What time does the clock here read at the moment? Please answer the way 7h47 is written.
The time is 2h44
